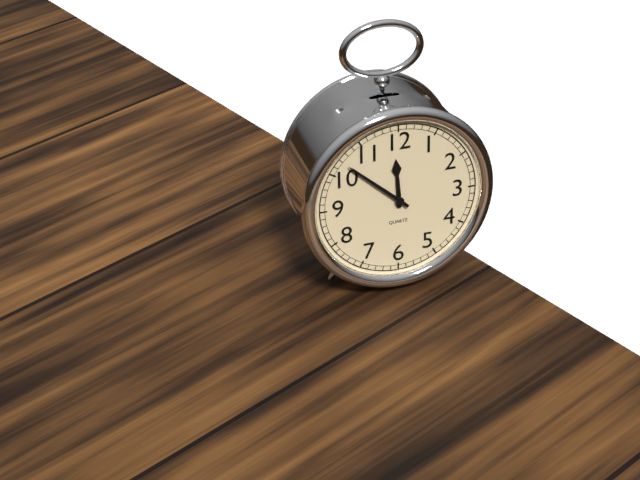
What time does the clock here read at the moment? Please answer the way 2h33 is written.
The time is 11h52
